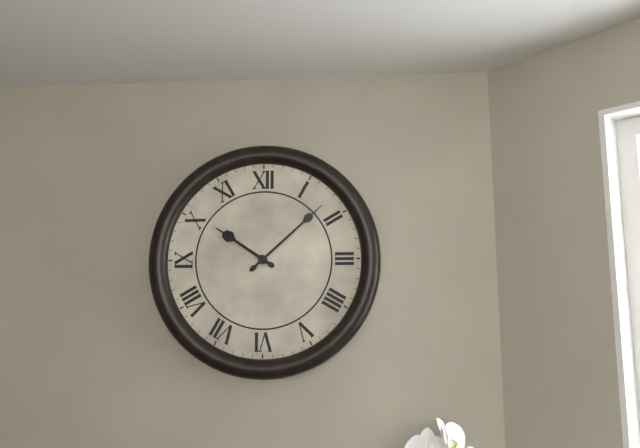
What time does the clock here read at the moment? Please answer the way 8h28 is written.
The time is 10h08
